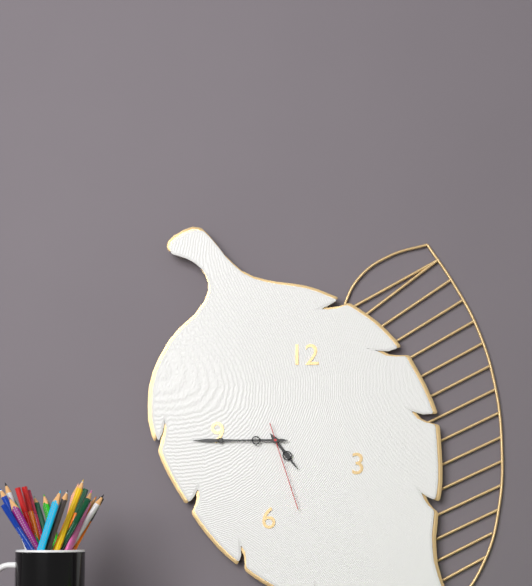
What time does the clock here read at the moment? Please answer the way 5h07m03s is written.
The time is 4h45m27s
